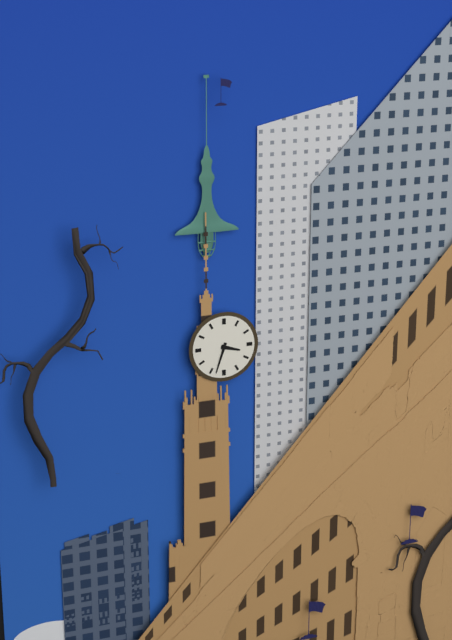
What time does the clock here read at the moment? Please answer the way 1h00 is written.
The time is 3h33
